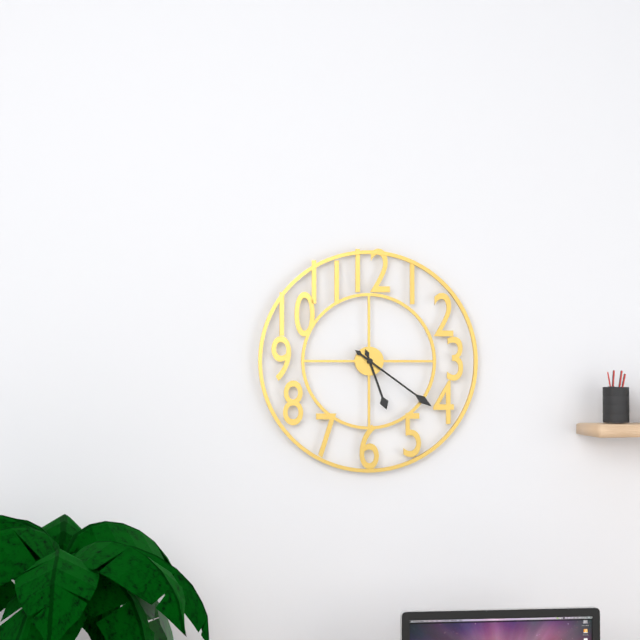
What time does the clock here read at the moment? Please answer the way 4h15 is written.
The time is 5h21
